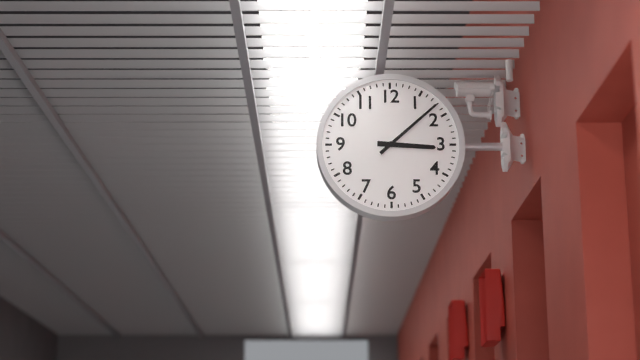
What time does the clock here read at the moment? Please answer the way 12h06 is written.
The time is 3h08
